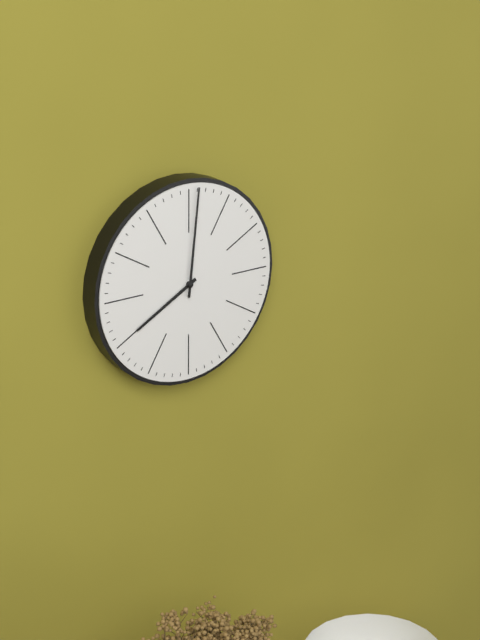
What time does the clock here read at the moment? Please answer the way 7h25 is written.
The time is 8h01
